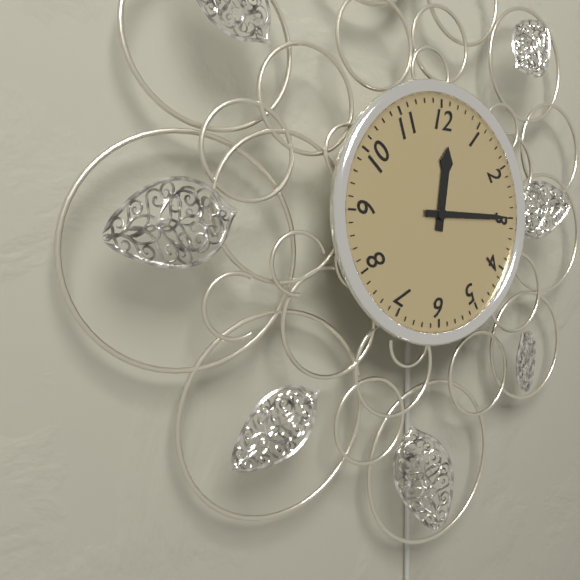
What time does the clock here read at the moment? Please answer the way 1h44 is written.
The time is 12h15
